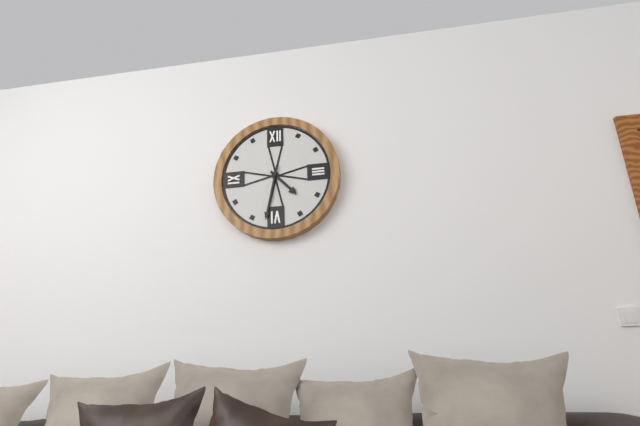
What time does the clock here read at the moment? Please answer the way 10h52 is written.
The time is 4h32
